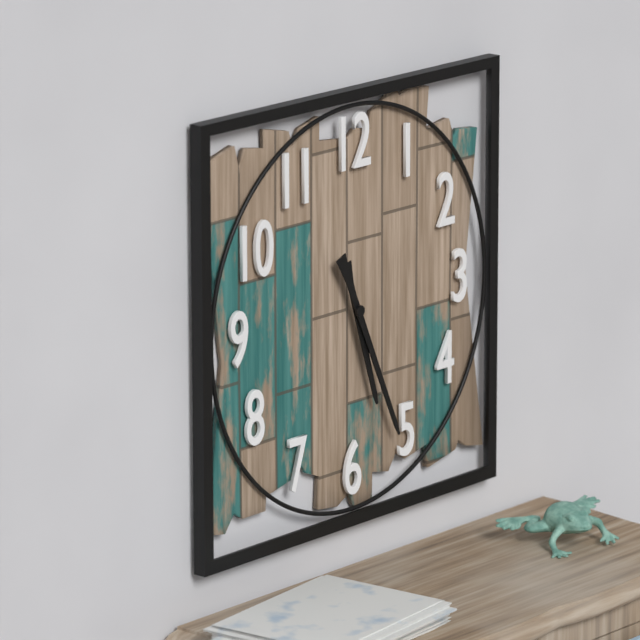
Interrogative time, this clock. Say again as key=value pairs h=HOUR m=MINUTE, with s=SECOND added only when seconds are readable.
h=5 m=26
